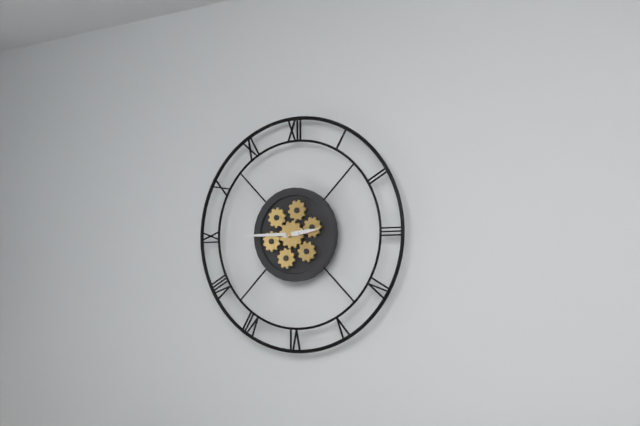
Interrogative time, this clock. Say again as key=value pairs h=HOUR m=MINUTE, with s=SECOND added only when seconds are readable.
h=2 m=45
